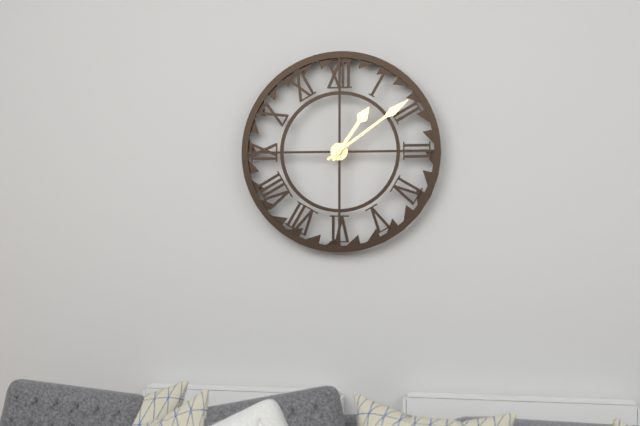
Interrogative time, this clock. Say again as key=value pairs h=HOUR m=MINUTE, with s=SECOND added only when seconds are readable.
h=1 m=9
